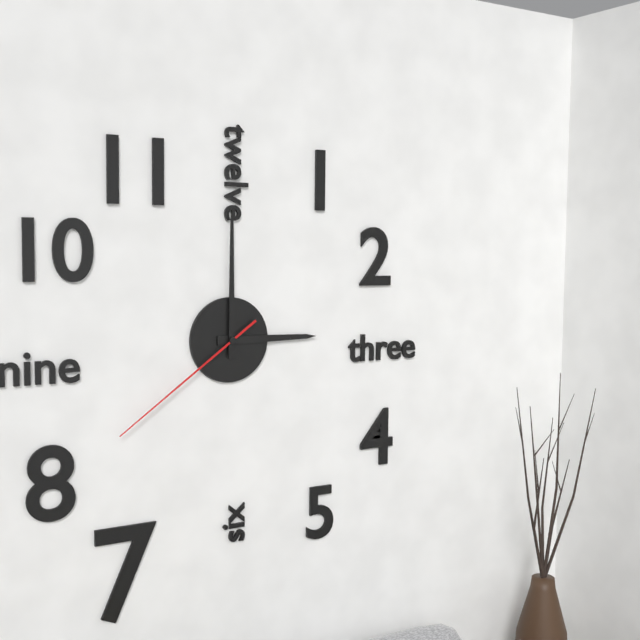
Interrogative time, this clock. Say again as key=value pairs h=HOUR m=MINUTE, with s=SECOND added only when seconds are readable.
h=3 m=0 s=39
